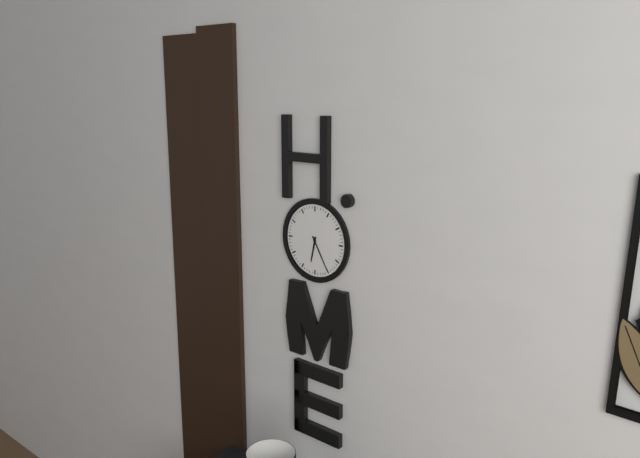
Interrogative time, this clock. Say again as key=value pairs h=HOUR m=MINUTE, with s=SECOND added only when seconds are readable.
h=6 m=25
